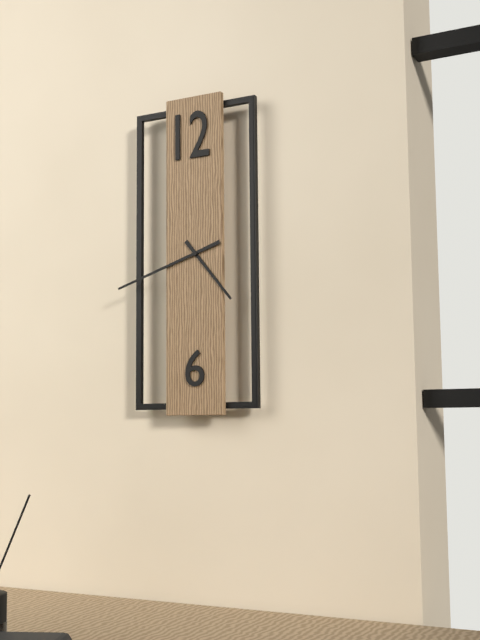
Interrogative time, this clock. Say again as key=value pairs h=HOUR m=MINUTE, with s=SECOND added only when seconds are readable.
h=4 m=42
